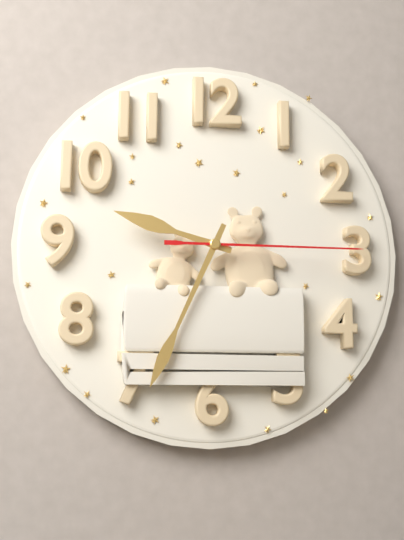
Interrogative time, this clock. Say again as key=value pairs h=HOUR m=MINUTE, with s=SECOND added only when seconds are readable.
h=9 m=34 s=15
